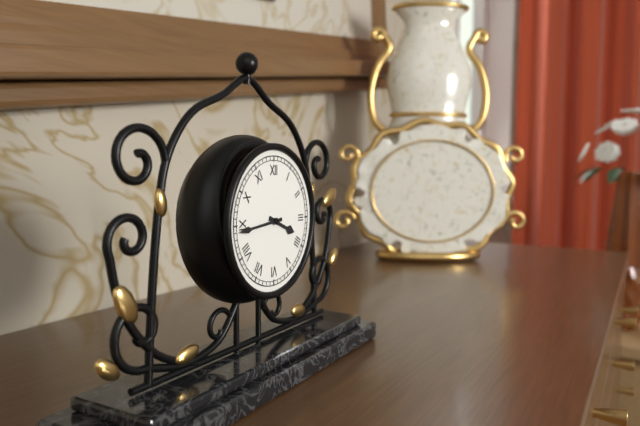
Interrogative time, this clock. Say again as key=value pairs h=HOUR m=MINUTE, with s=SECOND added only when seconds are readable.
h=3 m=44
